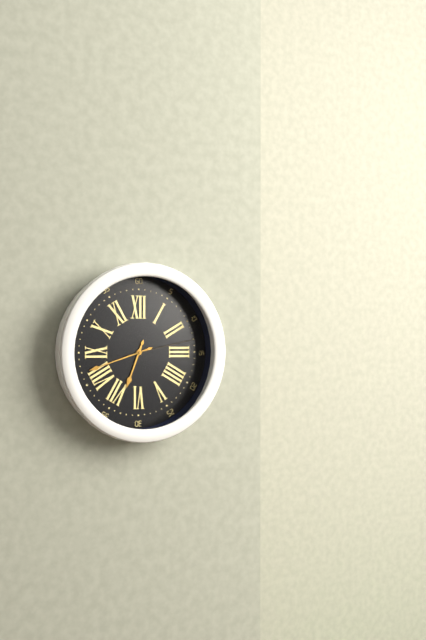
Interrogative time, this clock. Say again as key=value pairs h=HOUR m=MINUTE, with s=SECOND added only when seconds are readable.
h=6 m=42 s=13
